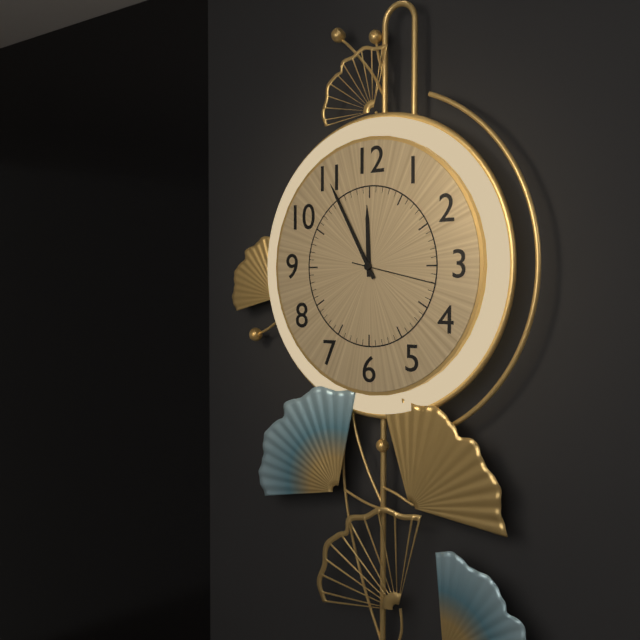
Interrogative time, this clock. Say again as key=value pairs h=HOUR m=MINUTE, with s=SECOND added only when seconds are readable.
h=11 m=55 s=17
